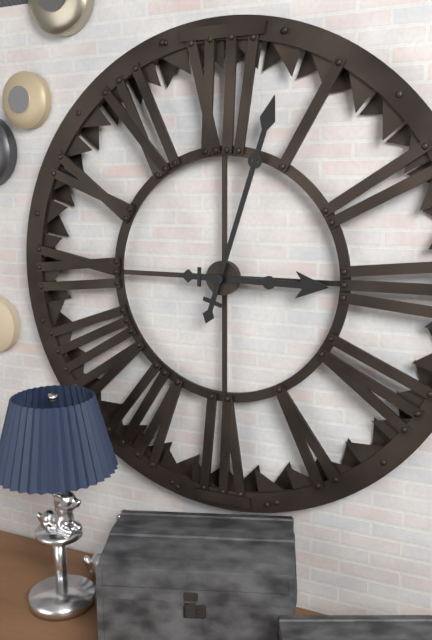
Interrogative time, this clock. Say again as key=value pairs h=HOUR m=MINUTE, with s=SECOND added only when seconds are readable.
h=3 m=3
